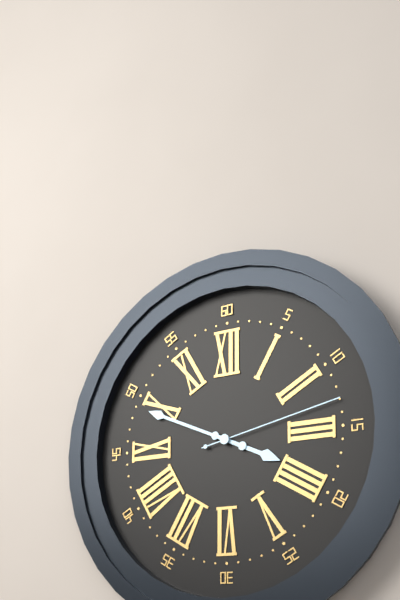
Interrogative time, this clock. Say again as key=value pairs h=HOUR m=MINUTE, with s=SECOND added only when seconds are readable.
h=3 m=49 s=13
